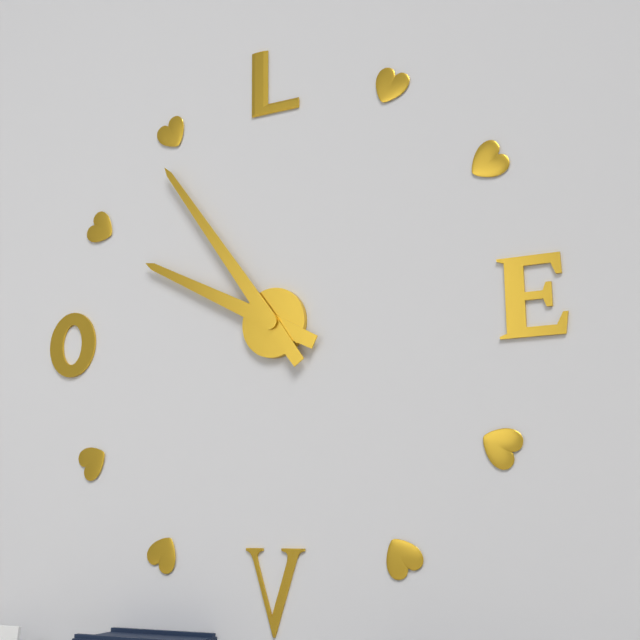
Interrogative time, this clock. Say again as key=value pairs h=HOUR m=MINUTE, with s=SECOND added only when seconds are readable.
h=9 m=54
